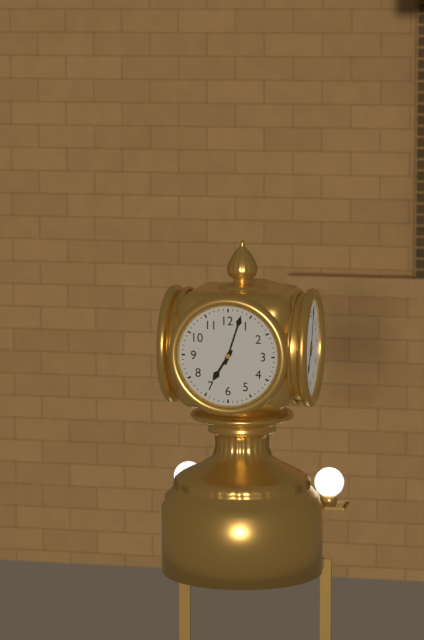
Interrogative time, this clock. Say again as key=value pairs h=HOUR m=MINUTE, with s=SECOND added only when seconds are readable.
h=7 m=3
